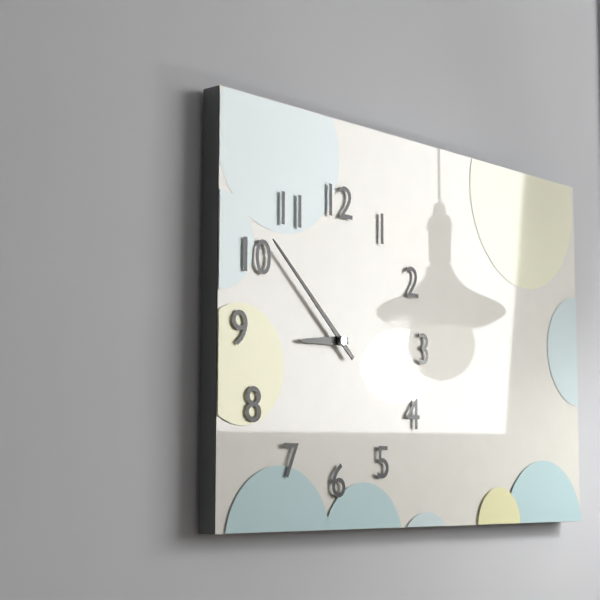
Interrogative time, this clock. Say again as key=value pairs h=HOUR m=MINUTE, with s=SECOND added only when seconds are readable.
h=8 m=52
